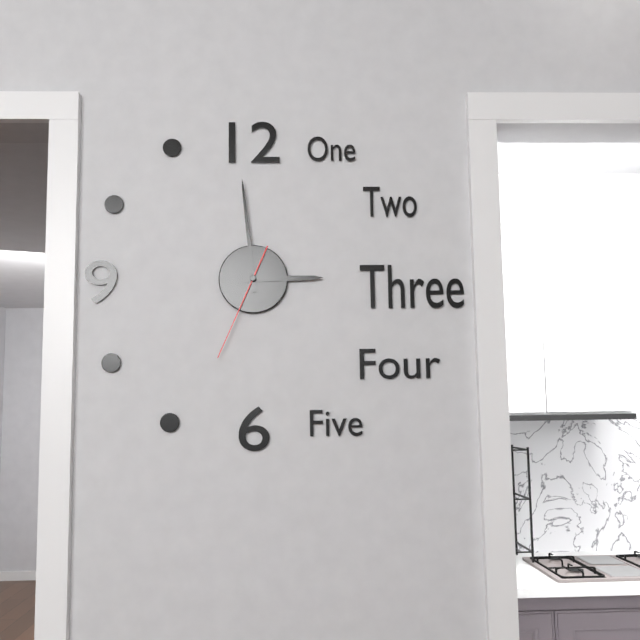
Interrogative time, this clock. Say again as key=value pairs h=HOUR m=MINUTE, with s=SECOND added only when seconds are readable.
h=2 m=59 s=34
